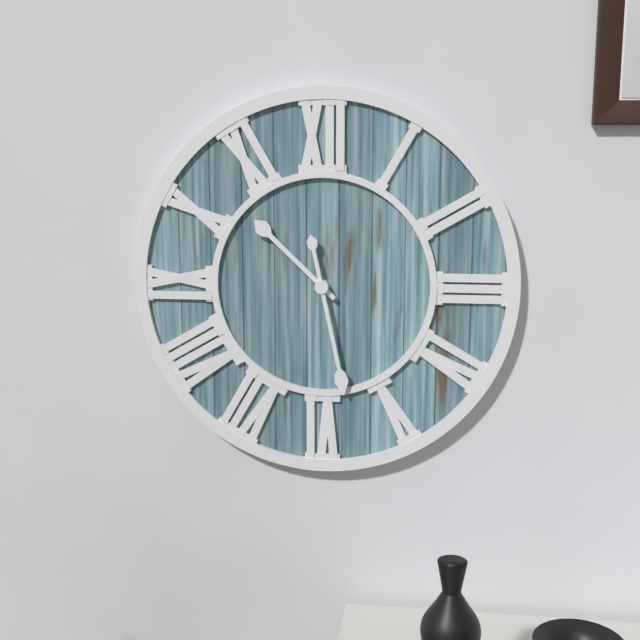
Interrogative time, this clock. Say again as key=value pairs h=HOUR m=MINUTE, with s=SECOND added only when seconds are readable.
h=10 m=28
